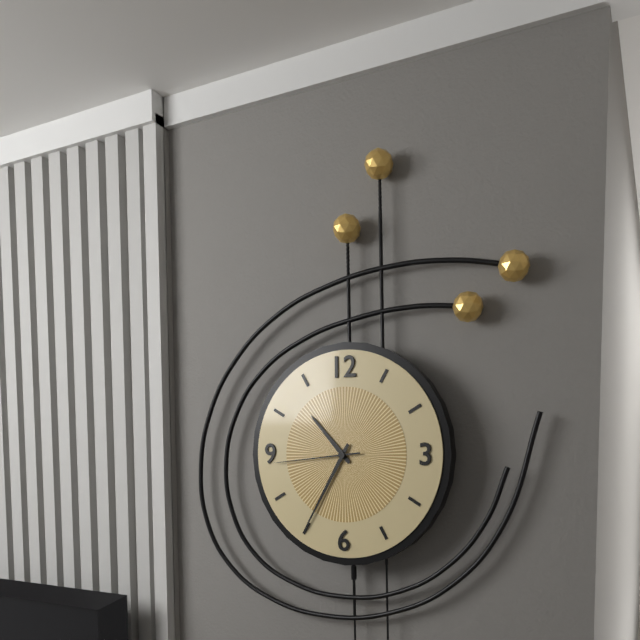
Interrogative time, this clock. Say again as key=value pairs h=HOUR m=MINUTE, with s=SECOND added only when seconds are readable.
h=10 m=35 s=44
